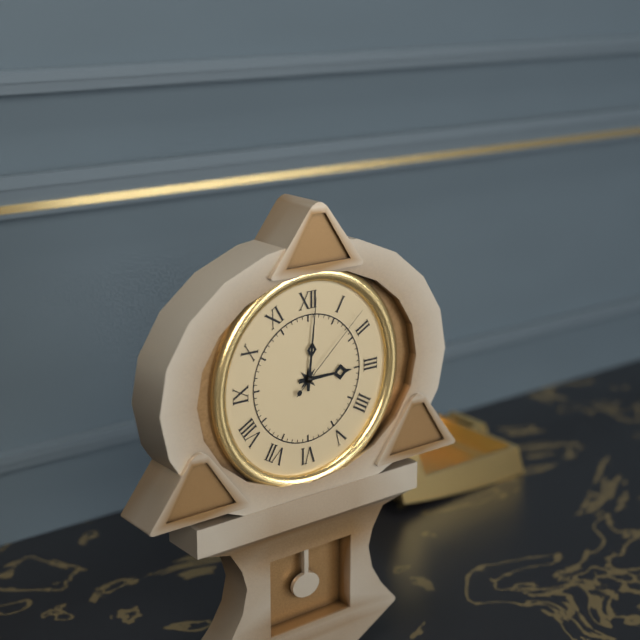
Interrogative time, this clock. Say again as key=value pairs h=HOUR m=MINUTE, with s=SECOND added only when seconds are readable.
h=3 m=1 s=8
